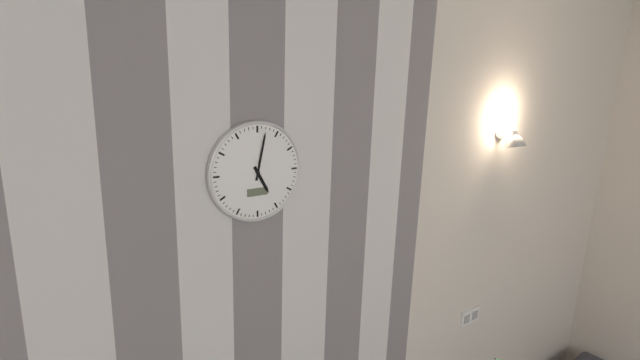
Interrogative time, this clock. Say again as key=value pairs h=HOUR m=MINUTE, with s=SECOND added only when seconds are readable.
h=5 m=2
